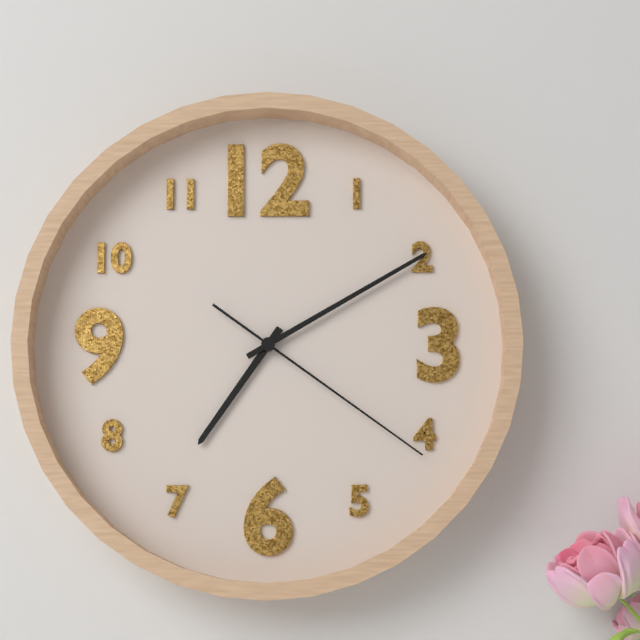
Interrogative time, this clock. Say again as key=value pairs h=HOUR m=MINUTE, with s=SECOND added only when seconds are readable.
h=7 m=10 s=21
